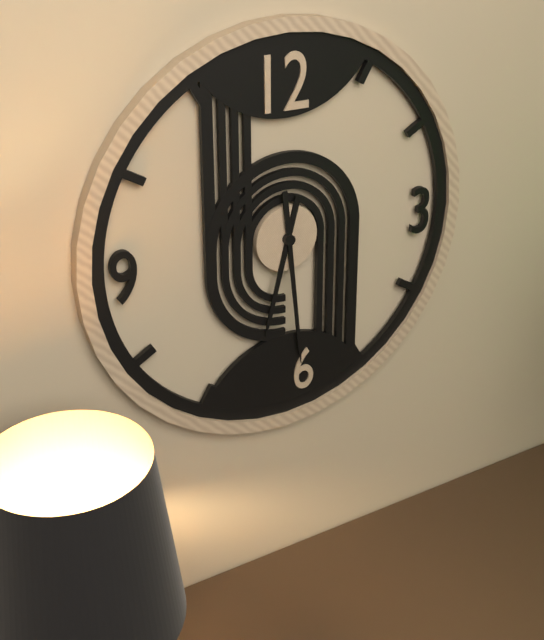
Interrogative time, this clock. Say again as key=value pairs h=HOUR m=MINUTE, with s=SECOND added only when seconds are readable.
h=6 m=29
